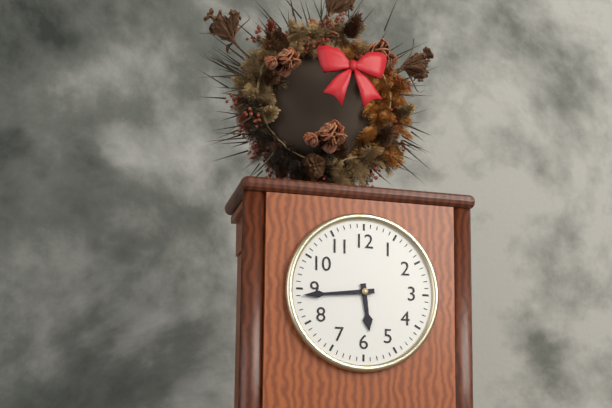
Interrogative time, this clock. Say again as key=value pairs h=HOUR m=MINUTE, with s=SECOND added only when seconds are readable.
h=5 m=44
